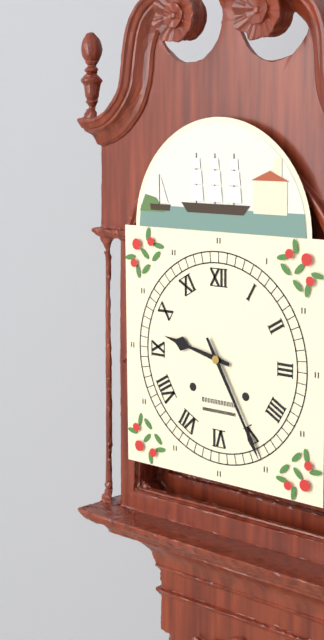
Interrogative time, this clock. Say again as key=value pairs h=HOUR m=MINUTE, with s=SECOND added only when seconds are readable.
h=9 m=25
